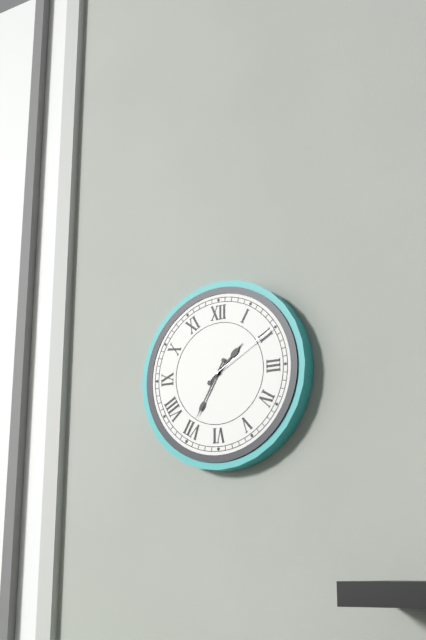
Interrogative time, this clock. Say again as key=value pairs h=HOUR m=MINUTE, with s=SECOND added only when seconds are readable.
h=1 m=35 s=10
